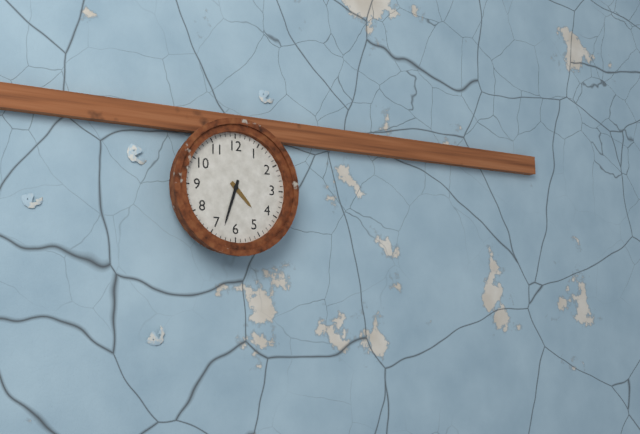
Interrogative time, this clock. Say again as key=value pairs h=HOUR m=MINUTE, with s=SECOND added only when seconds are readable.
h=4 m=33
